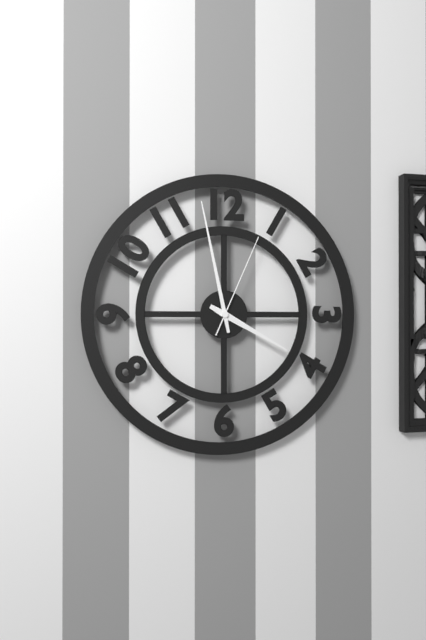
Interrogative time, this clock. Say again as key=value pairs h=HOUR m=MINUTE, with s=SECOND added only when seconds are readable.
h=3 m=58 s=4
